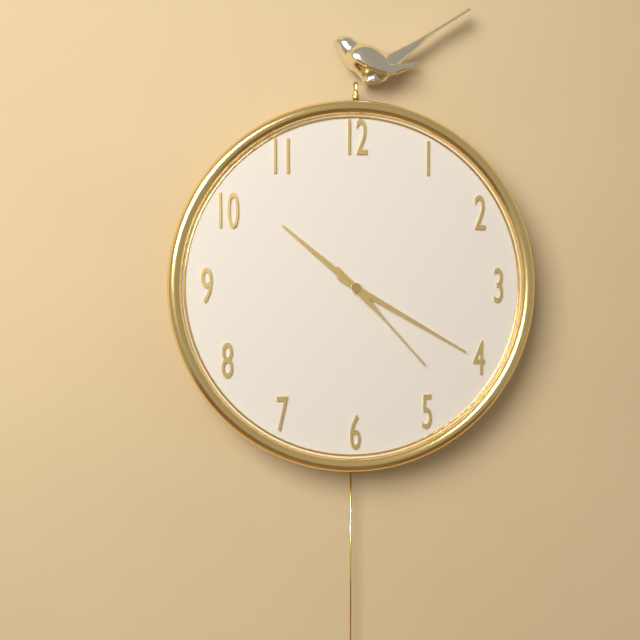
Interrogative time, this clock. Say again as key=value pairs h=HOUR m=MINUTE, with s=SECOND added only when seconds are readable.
h=10 m=20 s=23
